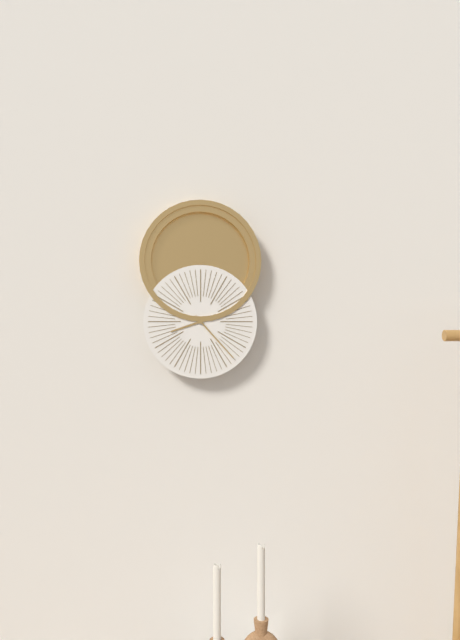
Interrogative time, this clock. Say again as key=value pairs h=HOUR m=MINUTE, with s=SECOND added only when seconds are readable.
h=8 m=23
